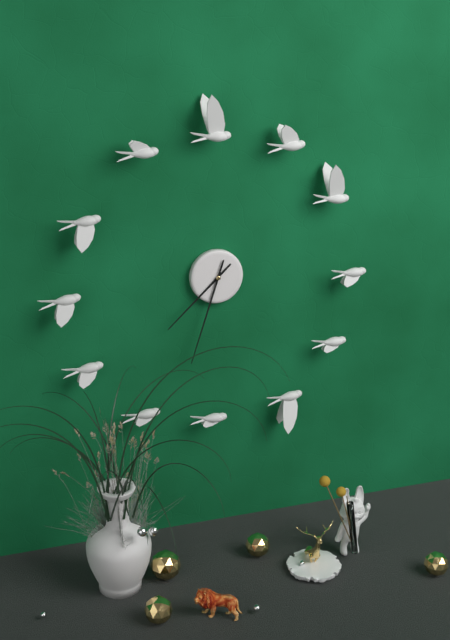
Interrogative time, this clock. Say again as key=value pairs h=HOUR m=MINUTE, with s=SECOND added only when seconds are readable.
h=7 m=33
